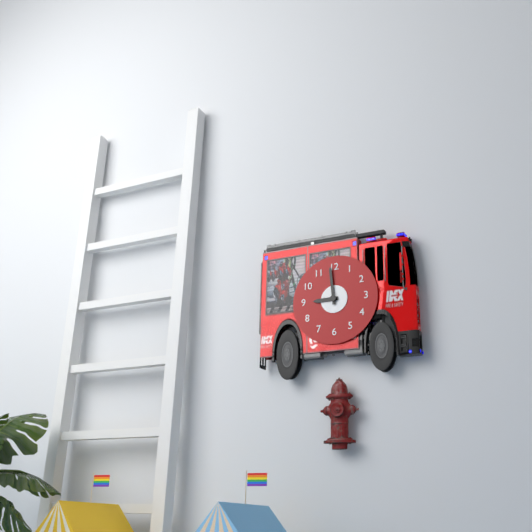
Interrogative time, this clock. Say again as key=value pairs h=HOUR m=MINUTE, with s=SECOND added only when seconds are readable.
h=8 m=59
